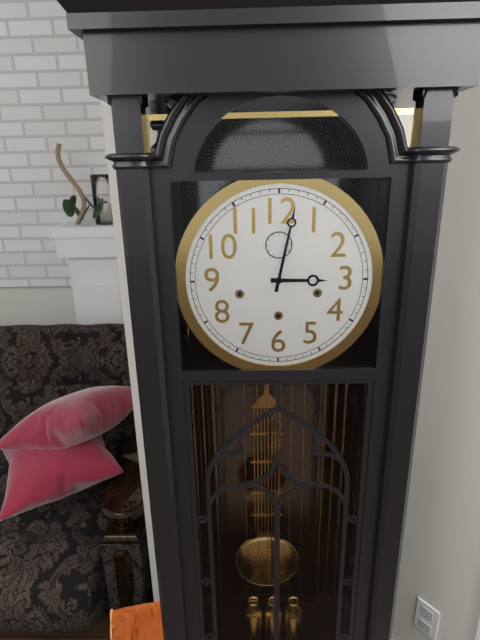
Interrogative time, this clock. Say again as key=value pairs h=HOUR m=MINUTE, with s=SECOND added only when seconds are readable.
h=3 m=2
